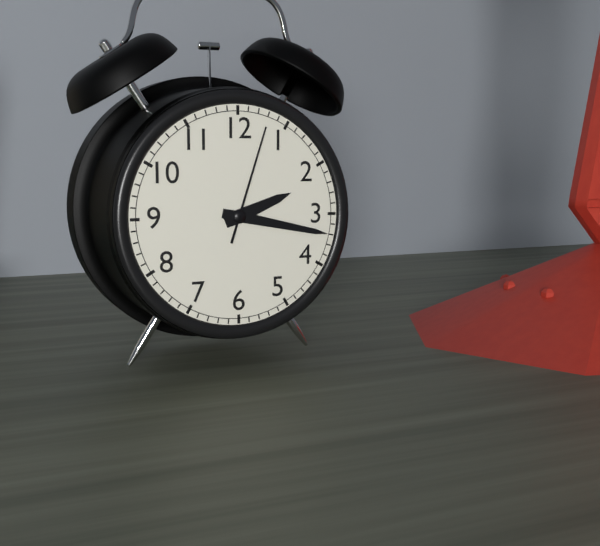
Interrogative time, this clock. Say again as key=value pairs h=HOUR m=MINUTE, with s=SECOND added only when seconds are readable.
h=2 m=17 s=3
